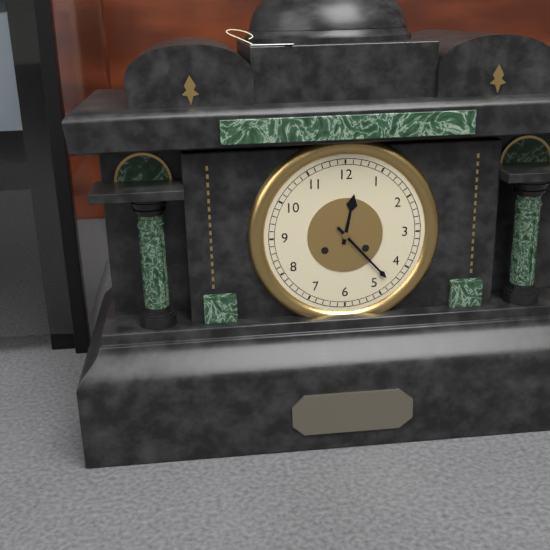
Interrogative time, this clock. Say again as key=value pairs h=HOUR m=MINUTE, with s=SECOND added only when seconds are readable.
h=12 m=23
